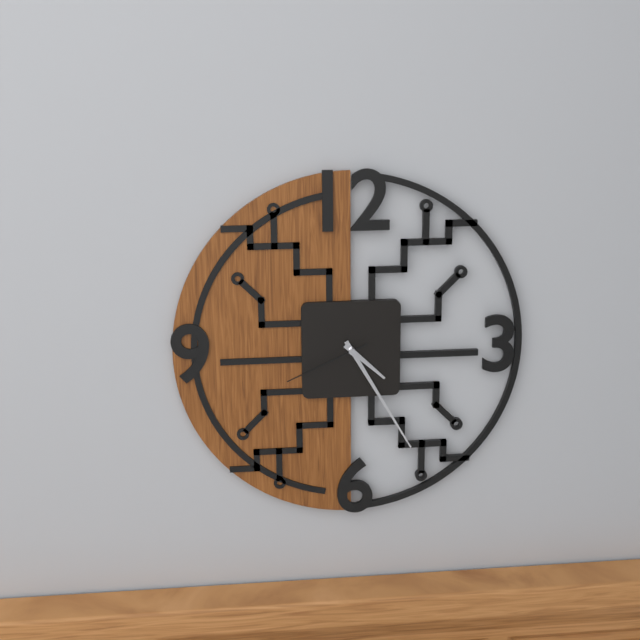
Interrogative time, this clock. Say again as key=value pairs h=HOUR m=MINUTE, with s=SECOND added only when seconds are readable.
h=4 m=25 s=41
